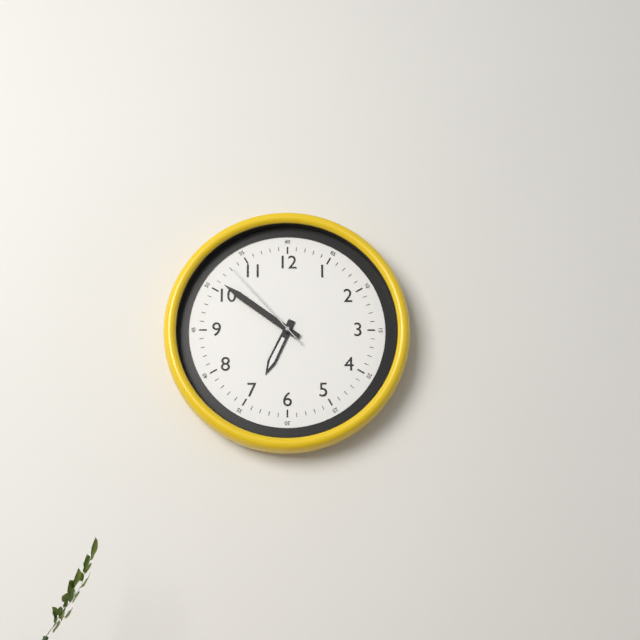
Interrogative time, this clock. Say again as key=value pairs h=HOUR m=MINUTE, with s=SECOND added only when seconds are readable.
h=6 m=51 s=53
